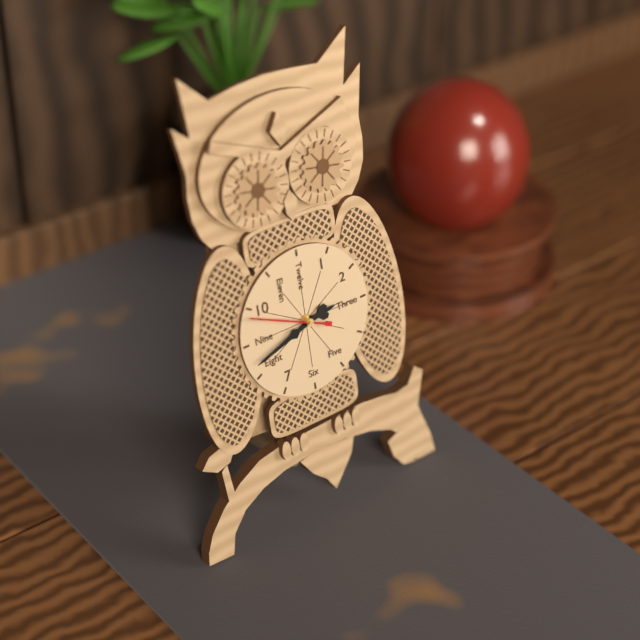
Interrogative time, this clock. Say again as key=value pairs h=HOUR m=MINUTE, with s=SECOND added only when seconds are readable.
h=2 m=42 s=49
